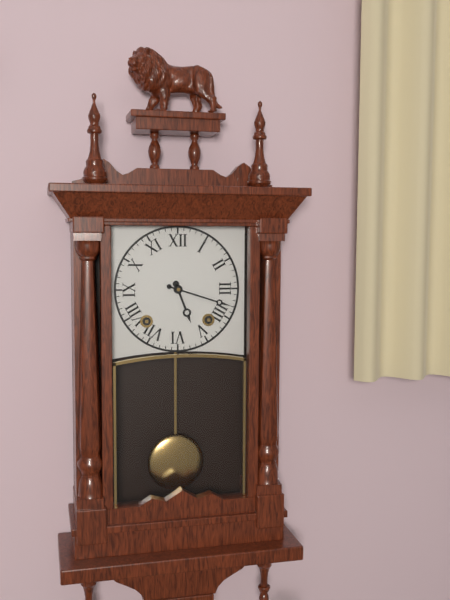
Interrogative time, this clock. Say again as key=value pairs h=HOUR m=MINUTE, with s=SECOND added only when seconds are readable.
h=5 m=18
